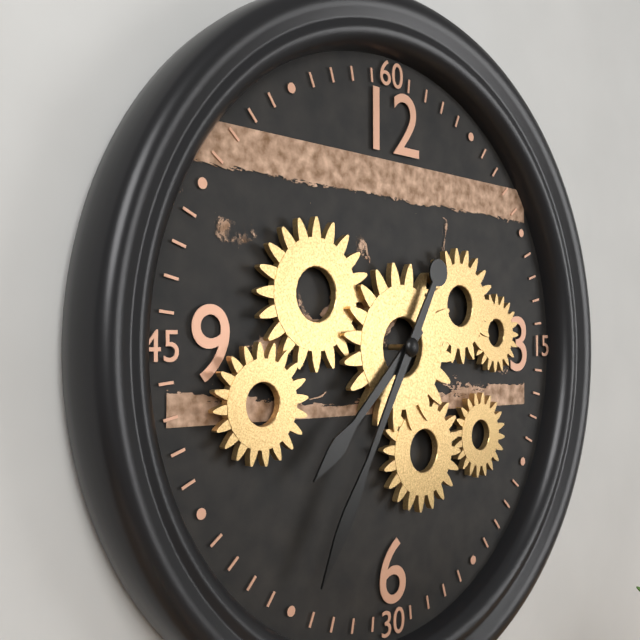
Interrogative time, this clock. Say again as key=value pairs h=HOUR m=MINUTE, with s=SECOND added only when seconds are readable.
h=7 m=35
